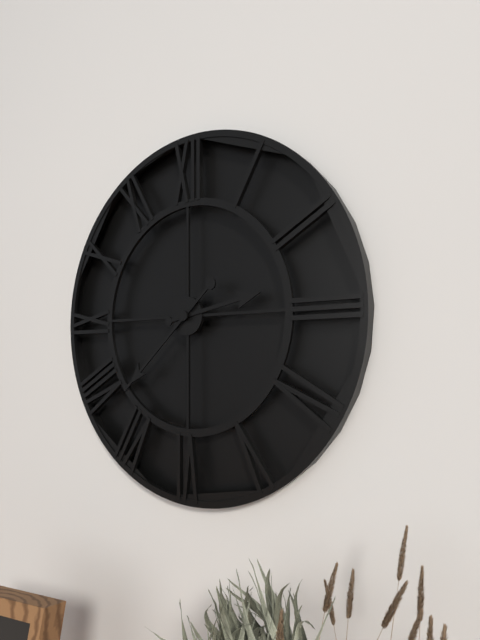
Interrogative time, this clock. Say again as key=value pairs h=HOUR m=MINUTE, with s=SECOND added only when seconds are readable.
h=2 m=38
